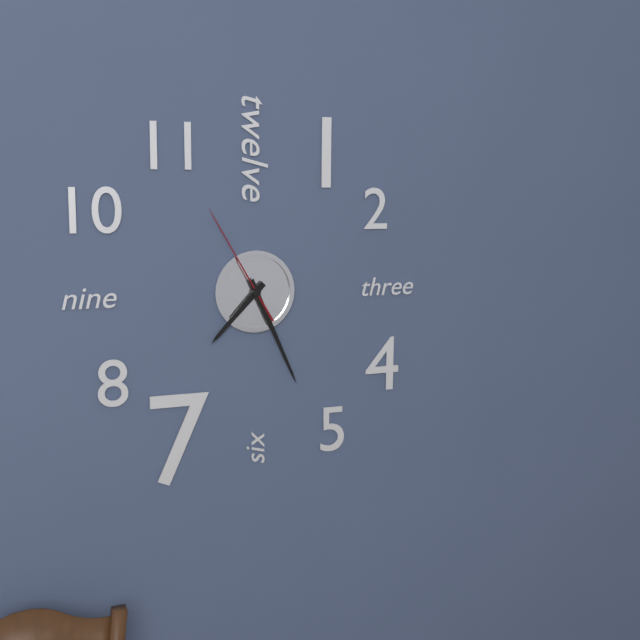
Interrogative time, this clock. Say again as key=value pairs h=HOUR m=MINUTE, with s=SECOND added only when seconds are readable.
h=7 m=26 s=55
